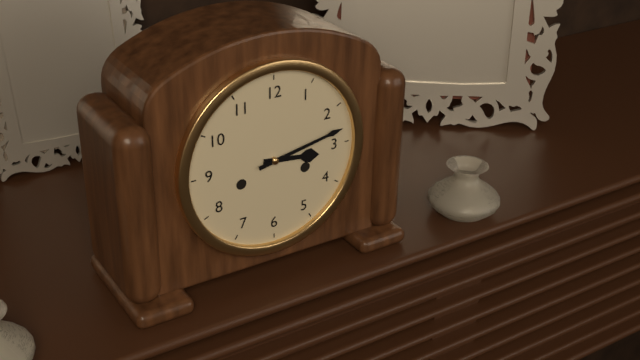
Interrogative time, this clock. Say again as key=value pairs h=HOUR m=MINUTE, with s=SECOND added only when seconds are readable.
h=3 m=13
